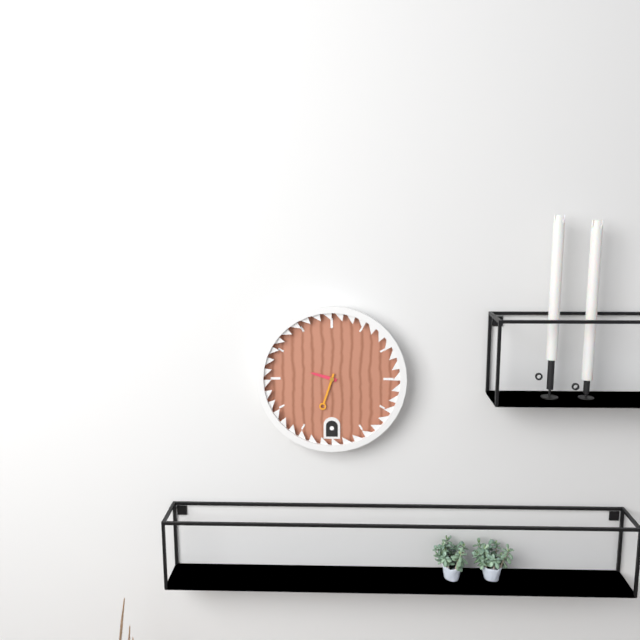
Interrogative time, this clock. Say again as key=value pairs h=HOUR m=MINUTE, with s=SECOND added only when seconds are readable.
h=9 m=33
